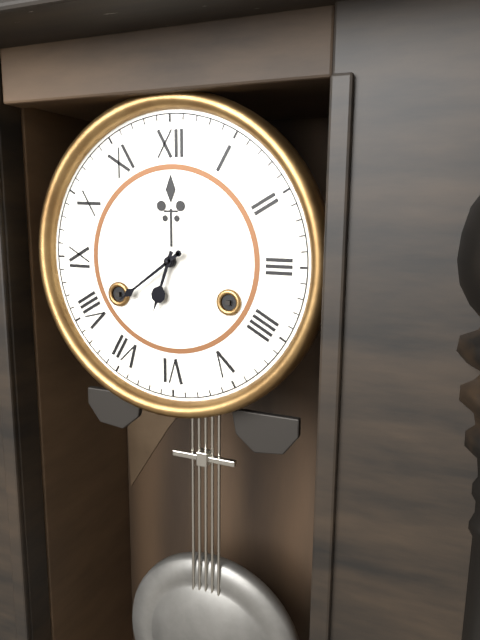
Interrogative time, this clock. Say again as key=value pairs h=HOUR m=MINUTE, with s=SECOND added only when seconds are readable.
h=6 m=39
